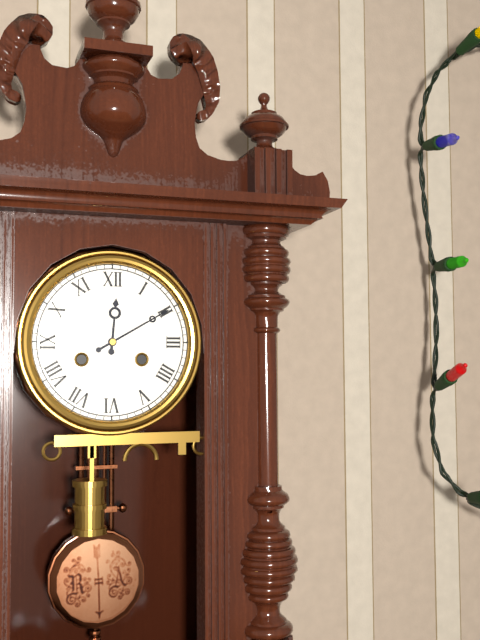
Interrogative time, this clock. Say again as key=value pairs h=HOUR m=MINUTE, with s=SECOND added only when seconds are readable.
h=12 m=10
